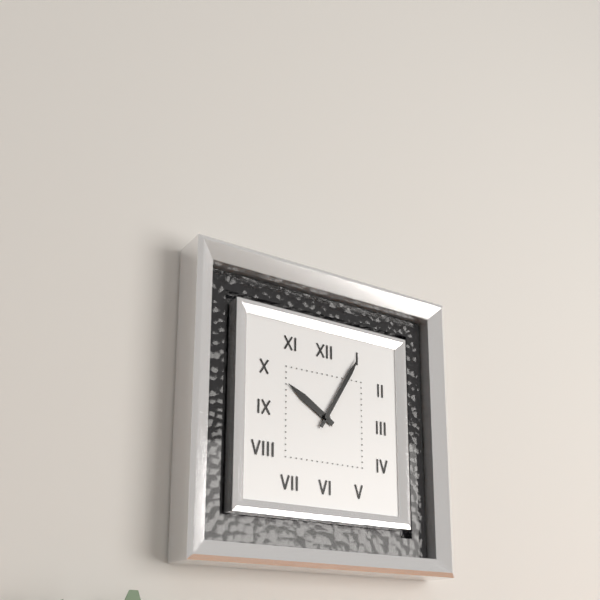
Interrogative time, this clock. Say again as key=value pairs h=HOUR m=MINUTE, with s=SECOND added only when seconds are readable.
h=10 m=5
